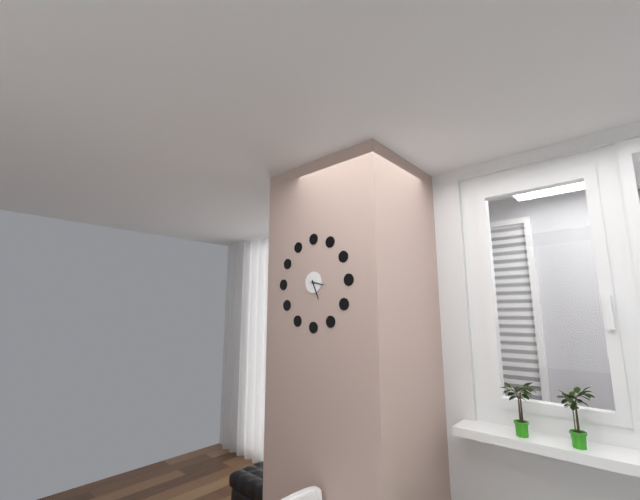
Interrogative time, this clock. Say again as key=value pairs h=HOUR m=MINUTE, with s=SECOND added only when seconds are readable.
h=3 m=26
